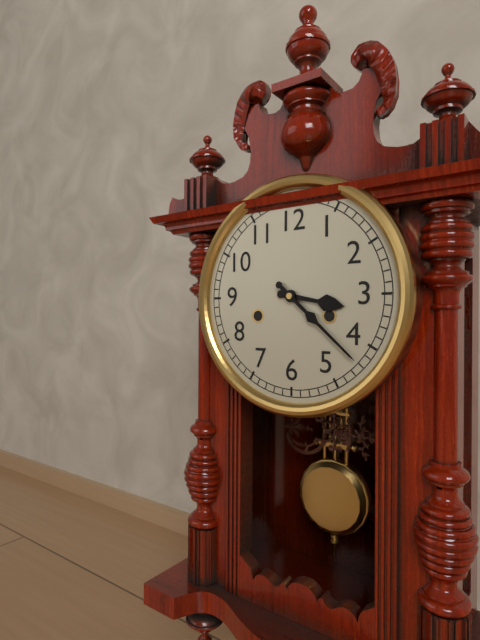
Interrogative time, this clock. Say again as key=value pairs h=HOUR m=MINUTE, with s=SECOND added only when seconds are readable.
h=3 m=22
